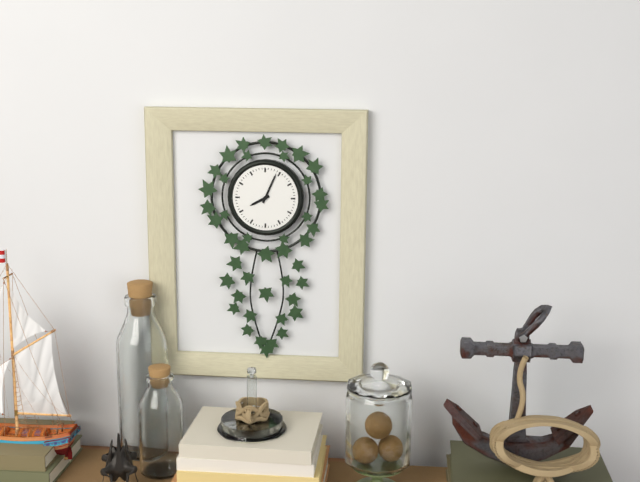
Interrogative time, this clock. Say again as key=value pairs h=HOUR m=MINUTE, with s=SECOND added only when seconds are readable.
h=8 m=4
